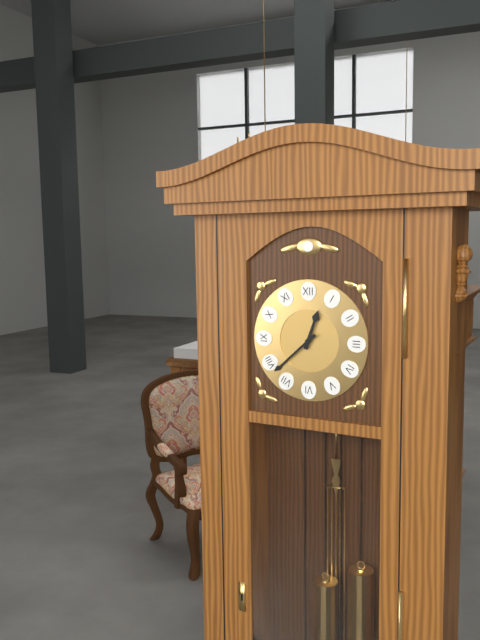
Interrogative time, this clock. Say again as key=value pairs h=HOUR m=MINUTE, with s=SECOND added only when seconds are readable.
h=12 m=38
